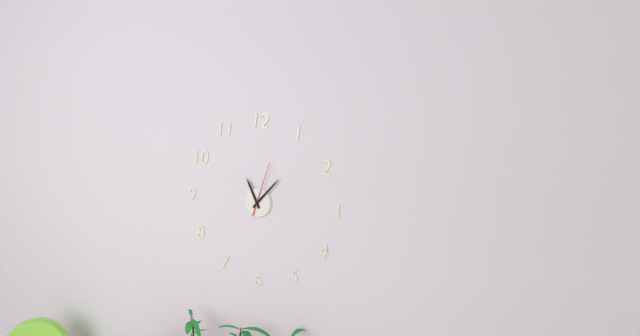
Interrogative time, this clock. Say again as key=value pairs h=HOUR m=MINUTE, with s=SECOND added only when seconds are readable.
h=11 m=7 s=3
